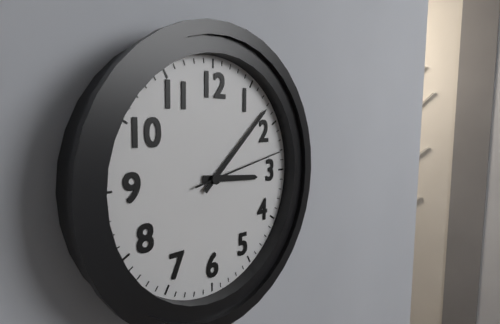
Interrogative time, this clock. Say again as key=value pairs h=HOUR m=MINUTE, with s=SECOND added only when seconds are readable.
h=3 m=8 s=13
